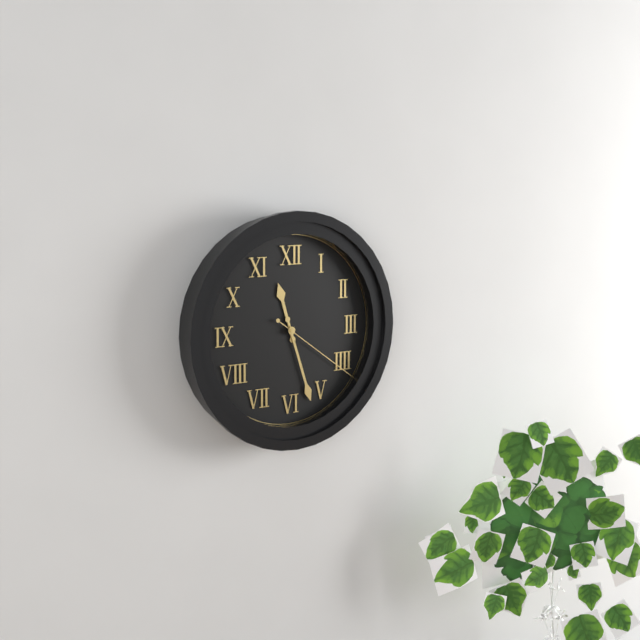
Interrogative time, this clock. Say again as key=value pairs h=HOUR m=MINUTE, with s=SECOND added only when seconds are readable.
h=11 m=27 s=21
